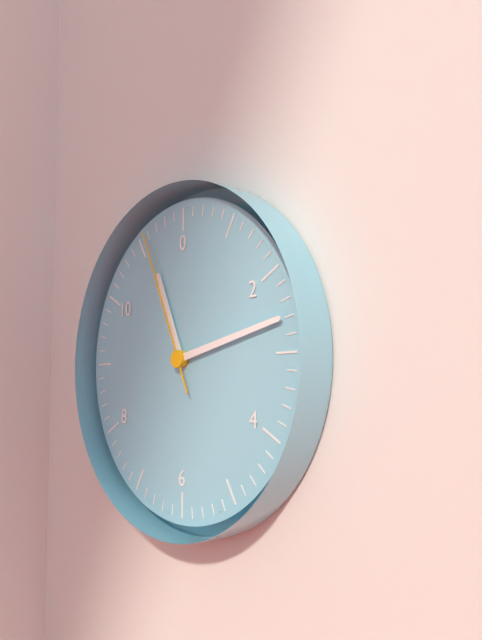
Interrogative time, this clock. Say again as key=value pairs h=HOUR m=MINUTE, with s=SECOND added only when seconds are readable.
h=11 m=13 s=56
